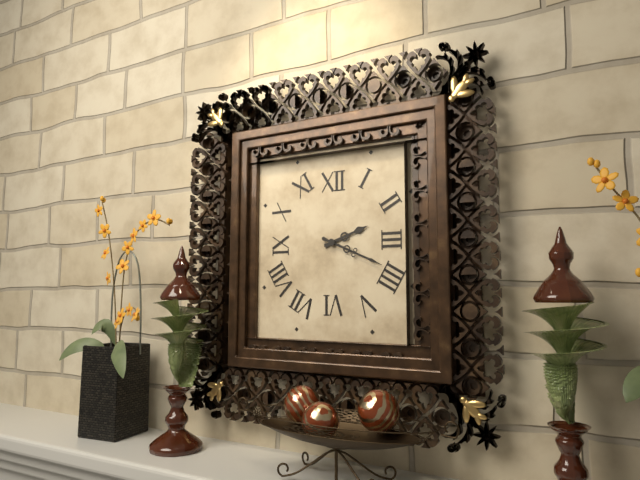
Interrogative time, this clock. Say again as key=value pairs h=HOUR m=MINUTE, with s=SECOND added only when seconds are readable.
h=2 m=19
